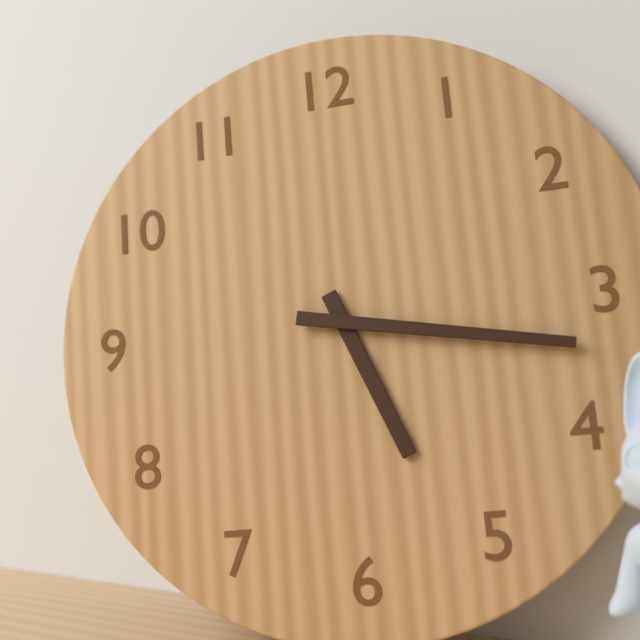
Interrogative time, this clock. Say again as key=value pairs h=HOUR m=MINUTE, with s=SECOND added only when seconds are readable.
h=5 m=17
